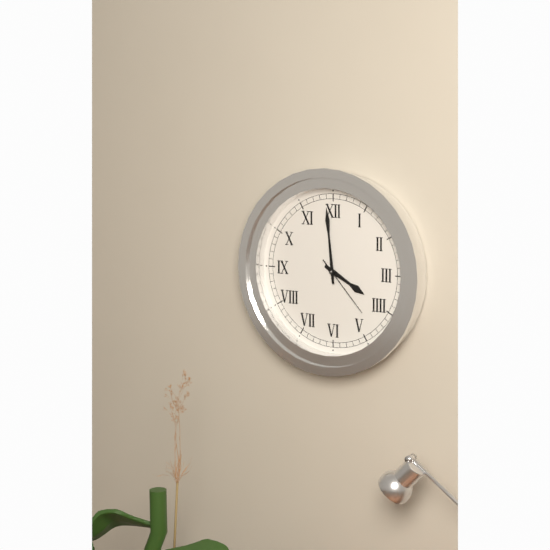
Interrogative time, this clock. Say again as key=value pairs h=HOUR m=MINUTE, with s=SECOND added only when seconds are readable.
h=3 m=59 s=23
